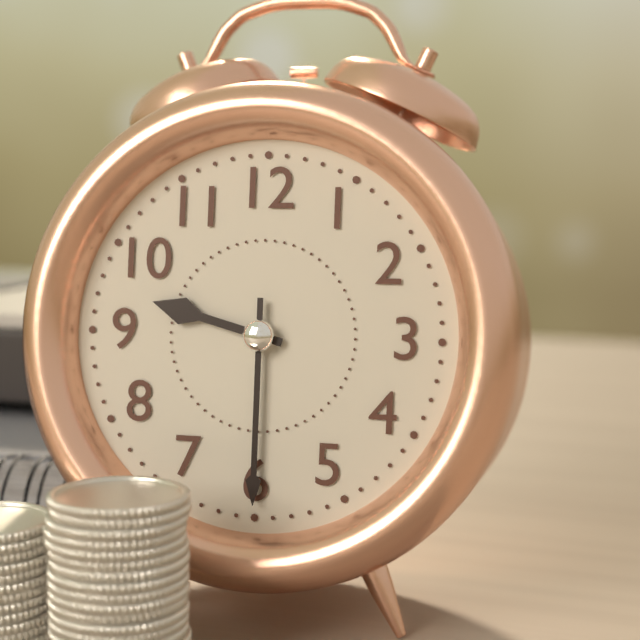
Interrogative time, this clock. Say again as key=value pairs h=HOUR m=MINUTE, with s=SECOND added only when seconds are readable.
h=9 m=30
